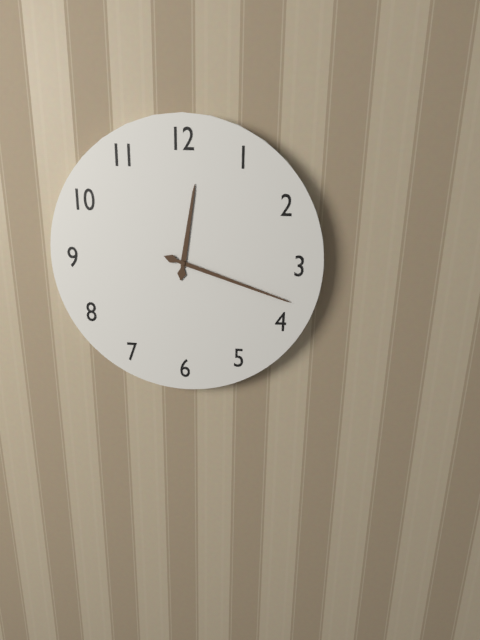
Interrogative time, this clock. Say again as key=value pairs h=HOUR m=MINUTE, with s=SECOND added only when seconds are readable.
h=12 m=18
